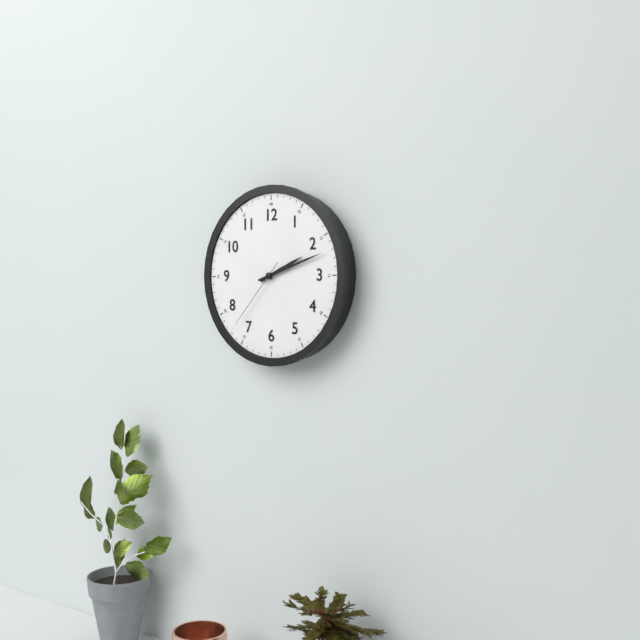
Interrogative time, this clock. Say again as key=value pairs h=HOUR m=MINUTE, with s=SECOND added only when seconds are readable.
h=2 m=12 s=37
